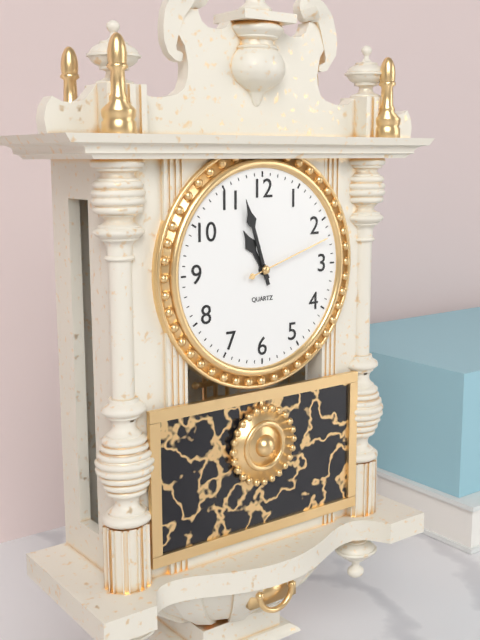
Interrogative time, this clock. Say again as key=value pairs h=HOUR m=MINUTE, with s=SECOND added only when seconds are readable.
h=10 m=57 s=12
